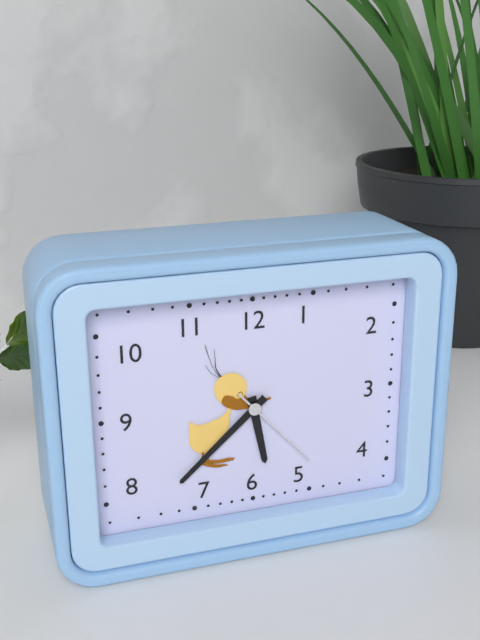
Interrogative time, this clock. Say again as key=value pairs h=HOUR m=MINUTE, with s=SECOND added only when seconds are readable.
h=5 m=38 s=23
